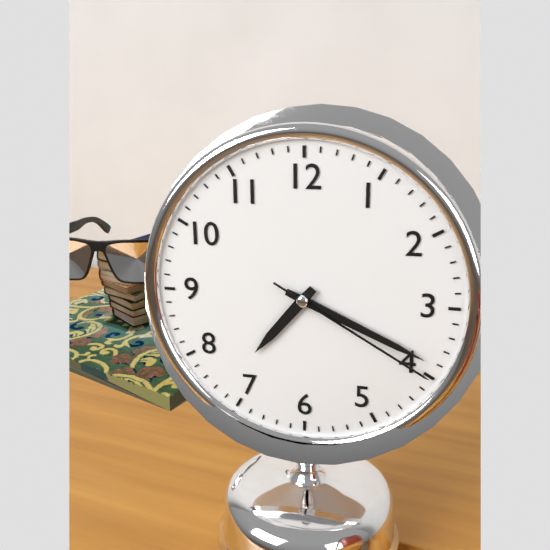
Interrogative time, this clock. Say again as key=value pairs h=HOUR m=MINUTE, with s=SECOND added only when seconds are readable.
h=7 m=19 s=20
